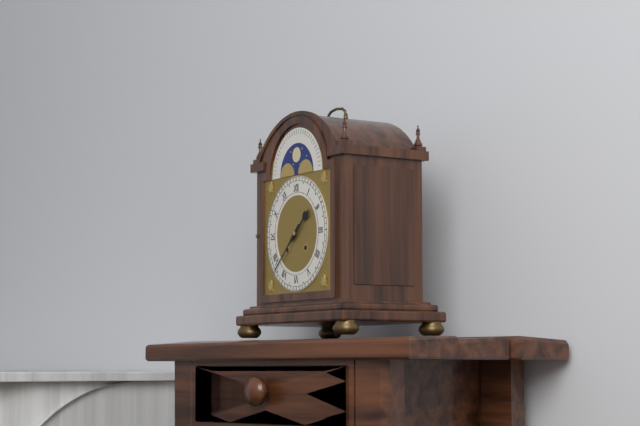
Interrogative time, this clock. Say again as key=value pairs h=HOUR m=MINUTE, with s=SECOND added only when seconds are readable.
h=1 m=38
